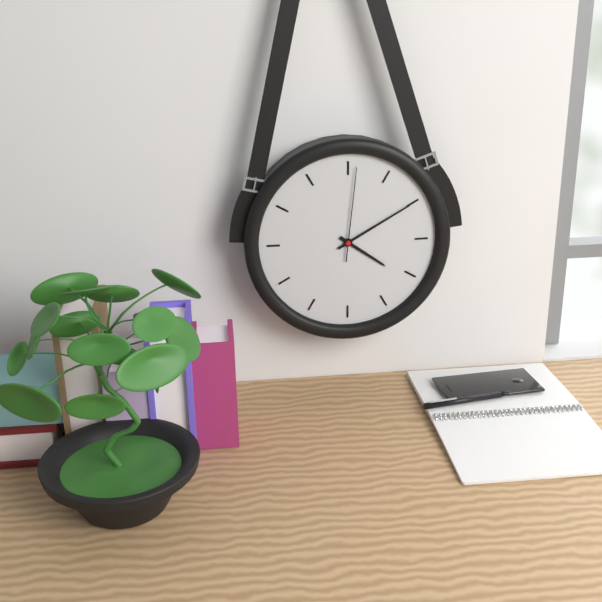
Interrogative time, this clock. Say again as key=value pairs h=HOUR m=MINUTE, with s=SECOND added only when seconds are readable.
h=4 m=10 s=1
